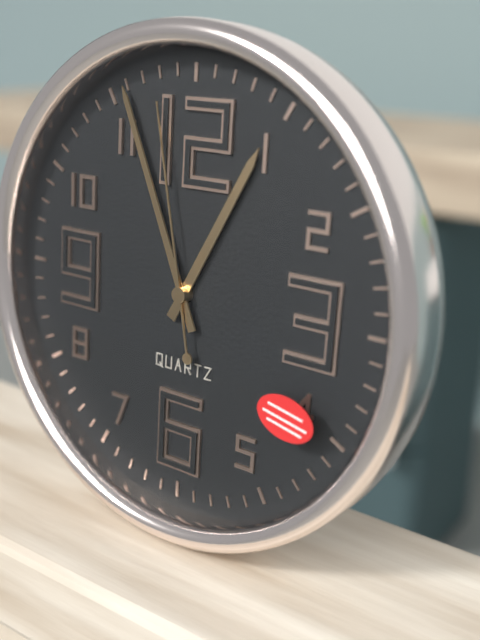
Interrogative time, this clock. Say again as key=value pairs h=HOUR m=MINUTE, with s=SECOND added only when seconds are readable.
h=12 m=56 s=58
